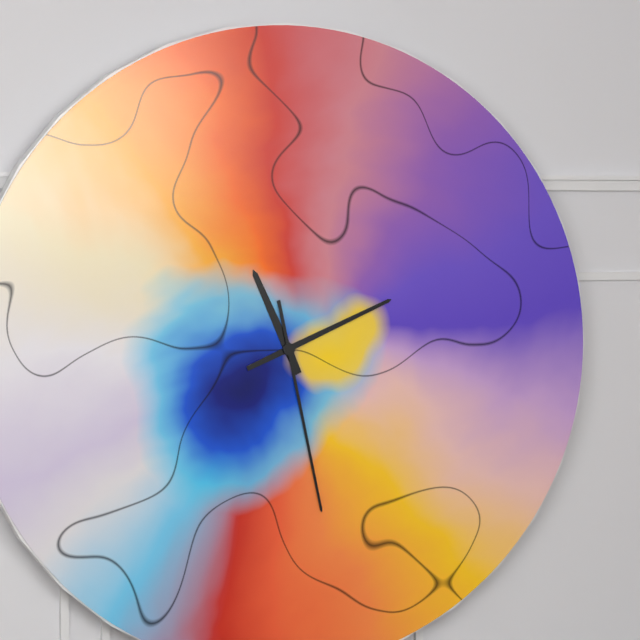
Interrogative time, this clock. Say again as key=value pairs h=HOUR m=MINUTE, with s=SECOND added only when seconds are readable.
h=11 m=11 s=28
